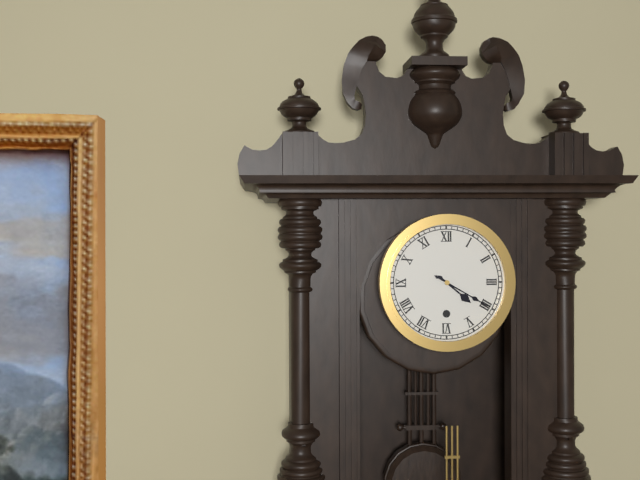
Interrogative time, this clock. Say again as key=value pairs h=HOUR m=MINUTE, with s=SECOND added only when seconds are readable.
h=4 m=20
